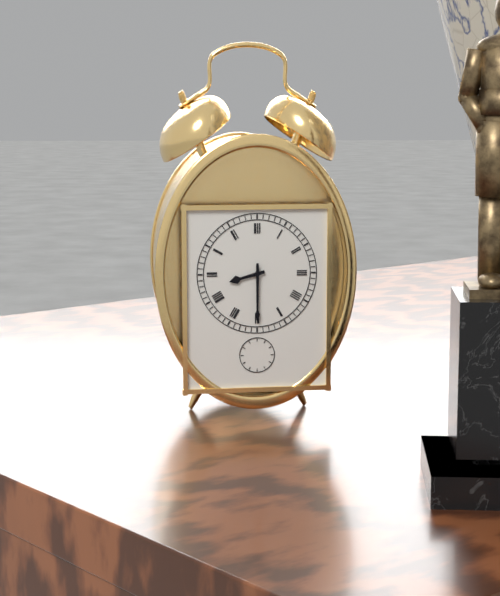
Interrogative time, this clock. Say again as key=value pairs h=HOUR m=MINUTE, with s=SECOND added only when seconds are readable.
h=8 m=30
